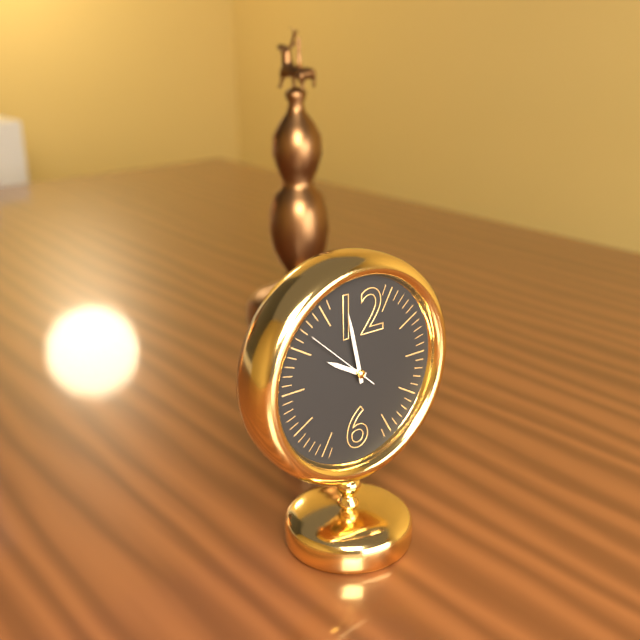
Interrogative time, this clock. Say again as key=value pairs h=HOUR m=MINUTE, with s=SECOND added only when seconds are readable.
h=9 m=58 s=52
